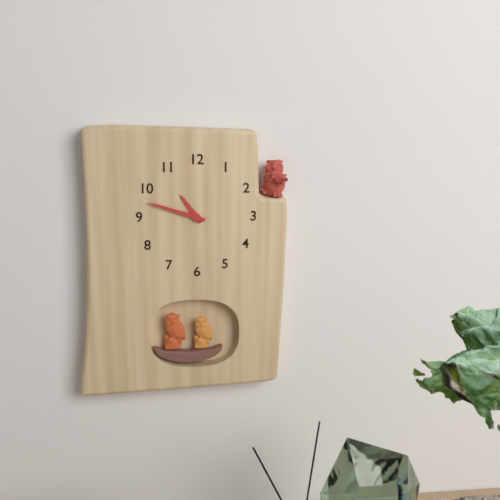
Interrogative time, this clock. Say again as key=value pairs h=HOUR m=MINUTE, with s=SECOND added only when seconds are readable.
h=10 m=48
